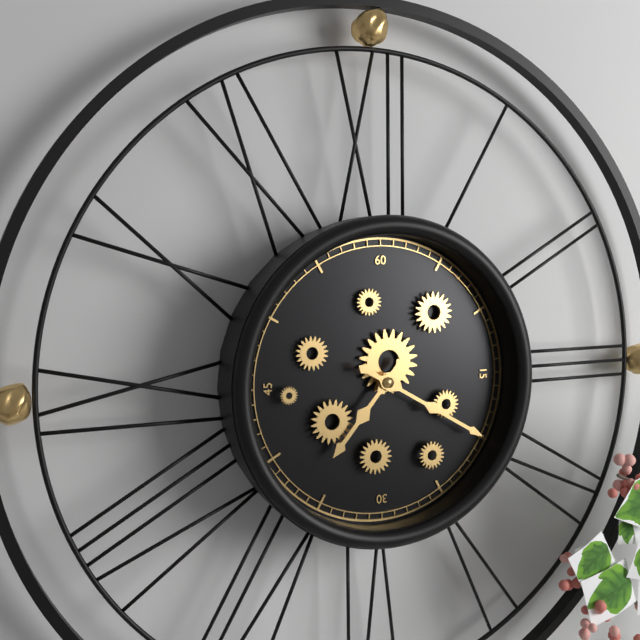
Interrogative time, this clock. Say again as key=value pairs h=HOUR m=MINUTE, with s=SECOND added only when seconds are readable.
h=7 m=20
